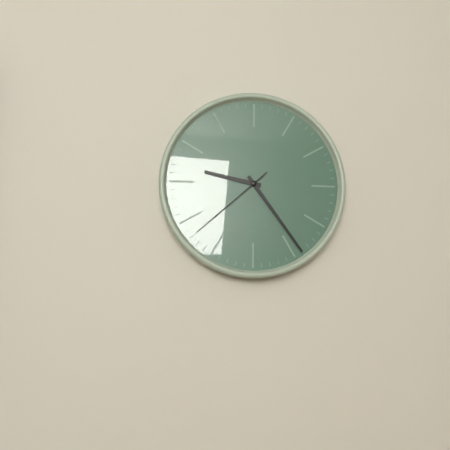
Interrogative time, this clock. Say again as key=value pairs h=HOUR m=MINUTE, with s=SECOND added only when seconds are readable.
h=9 m=24 s=38
